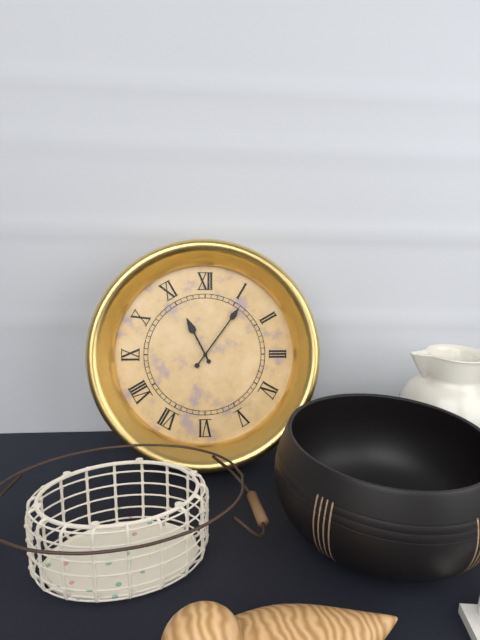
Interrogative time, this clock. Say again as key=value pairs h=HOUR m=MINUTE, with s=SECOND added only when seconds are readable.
h=11 m=6
